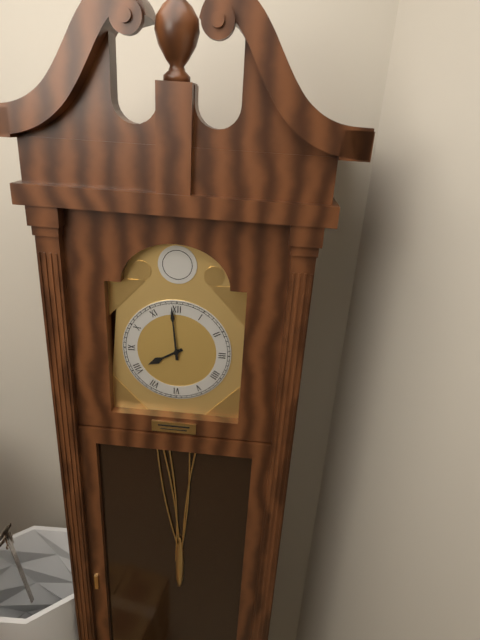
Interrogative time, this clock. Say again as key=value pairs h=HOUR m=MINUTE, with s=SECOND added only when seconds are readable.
h=7 m=59
